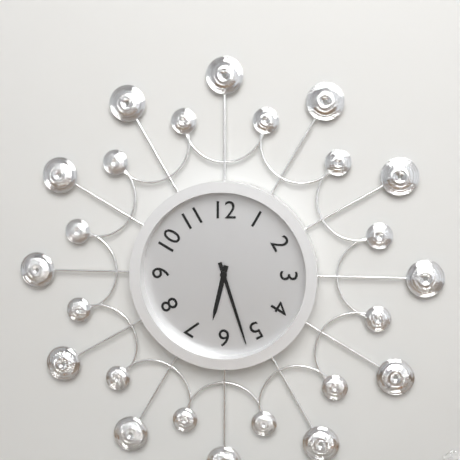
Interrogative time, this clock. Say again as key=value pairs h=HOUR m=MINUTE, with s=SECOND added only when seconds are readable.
h=6 m=27
